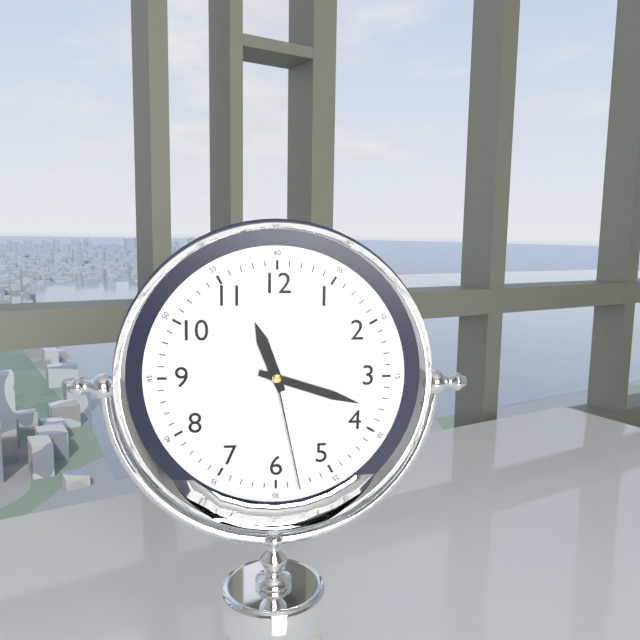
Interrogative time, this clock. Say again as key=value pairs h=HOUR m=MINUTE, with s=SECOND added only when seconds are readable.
h=11 m=18 s=28
